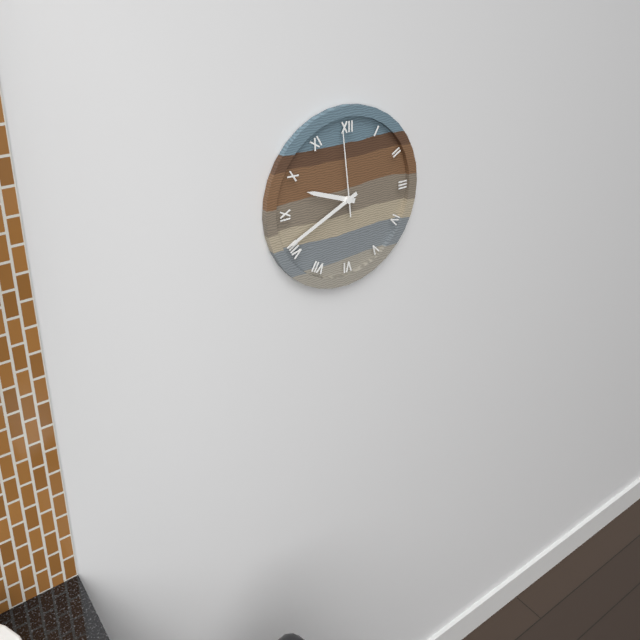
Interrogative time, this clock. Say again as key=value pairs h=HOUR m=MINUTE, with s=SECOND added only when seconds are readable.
h=9 m=41 s=59
